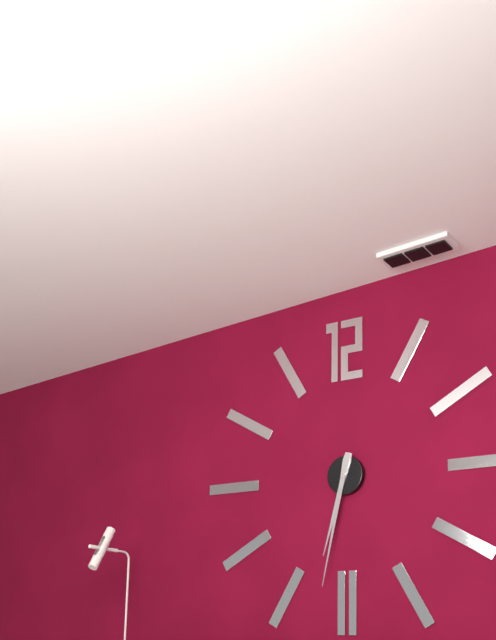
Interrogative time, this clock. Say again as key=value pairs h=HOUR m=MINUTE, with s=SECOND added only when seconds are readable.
h=6 m=32
